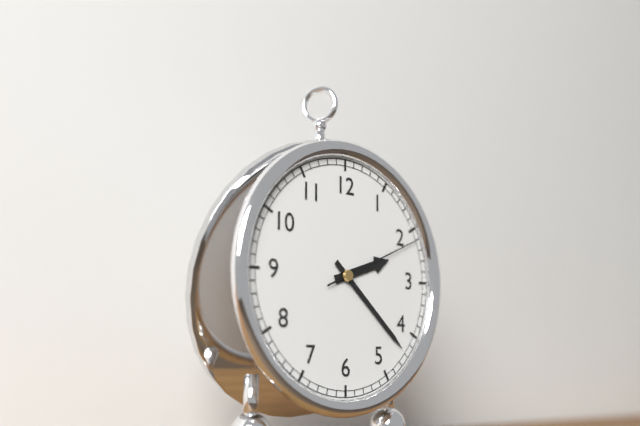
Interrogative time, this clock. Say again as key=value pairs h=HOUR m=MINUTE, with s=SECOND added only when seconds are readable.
h=2 m=22 s=11
